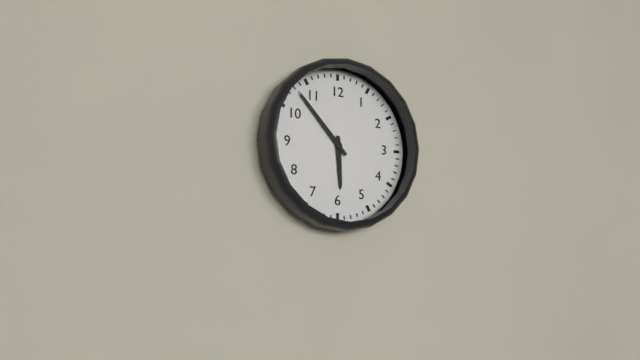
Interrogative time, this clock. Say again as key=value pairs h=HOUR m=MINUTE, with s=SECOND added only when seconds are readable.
h=5 m=53
